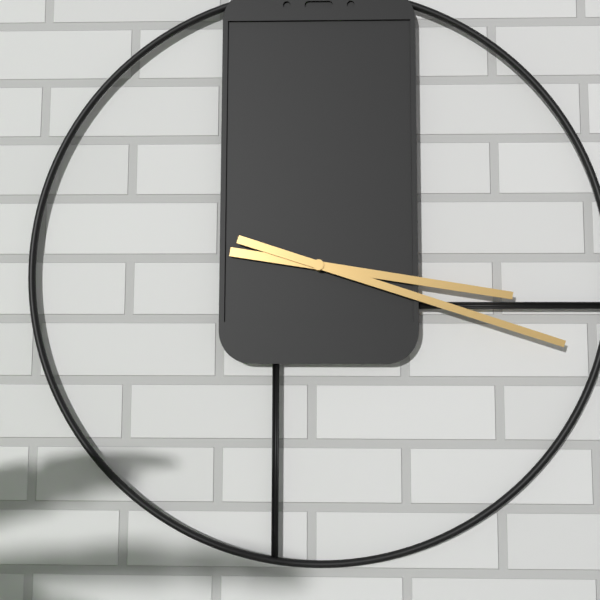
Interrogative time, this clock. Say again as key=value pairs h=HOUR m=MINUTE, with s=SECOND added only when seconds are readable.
h=3 m=18
